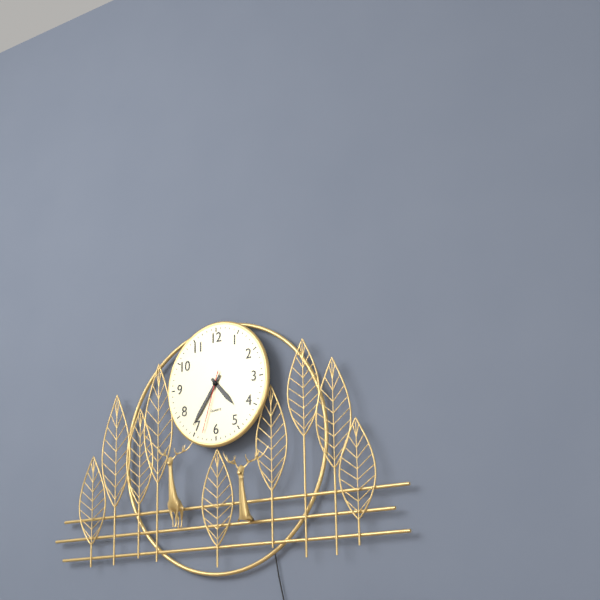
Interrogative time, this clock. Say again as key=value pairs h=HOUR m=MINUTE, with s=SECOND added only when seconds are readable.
h=4 m=36 s=33
